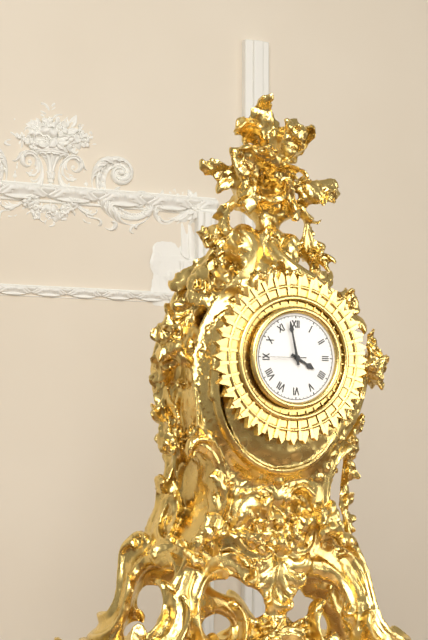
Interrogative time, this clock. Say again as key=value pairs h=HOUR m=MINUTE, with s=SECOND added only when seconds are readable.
h=3 m=58
